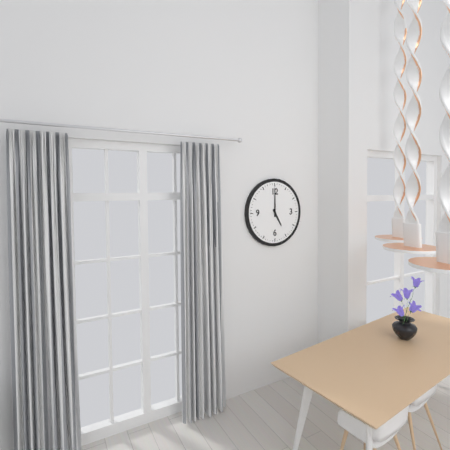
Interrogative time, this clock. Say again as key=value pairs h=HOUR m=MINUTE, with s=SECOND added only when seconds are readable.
h=5 m=0
